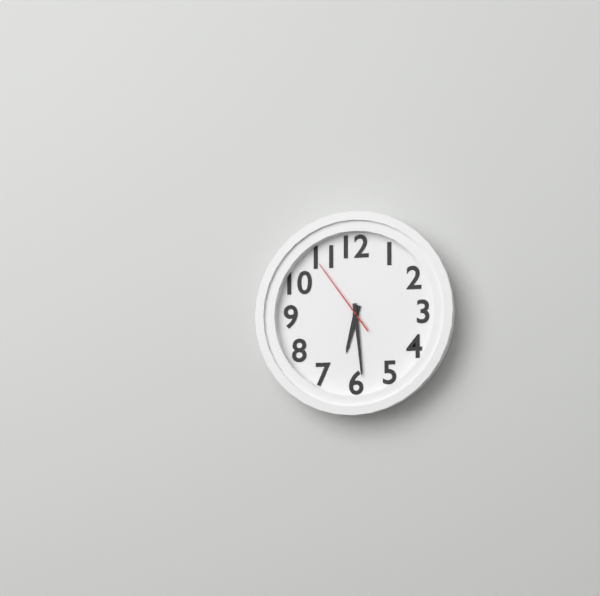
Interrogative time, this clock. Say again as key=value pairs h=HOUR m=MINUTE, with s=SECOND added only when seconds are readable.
h=6 m=29 s=54
